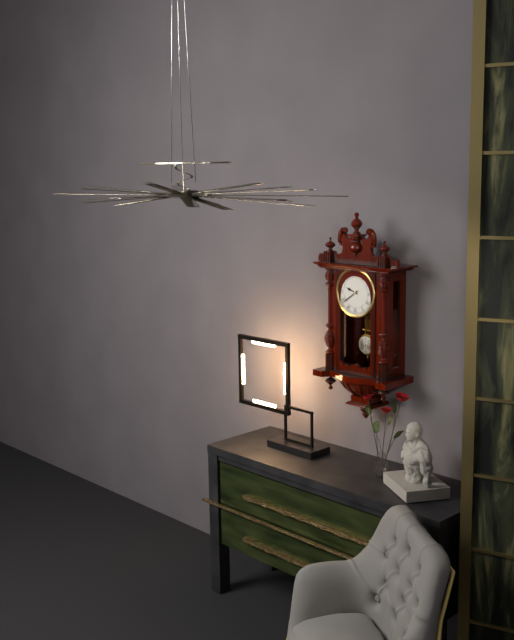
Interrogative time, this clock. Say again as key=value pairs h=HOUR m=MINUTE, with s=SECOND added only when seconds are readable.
h=9 m=39
